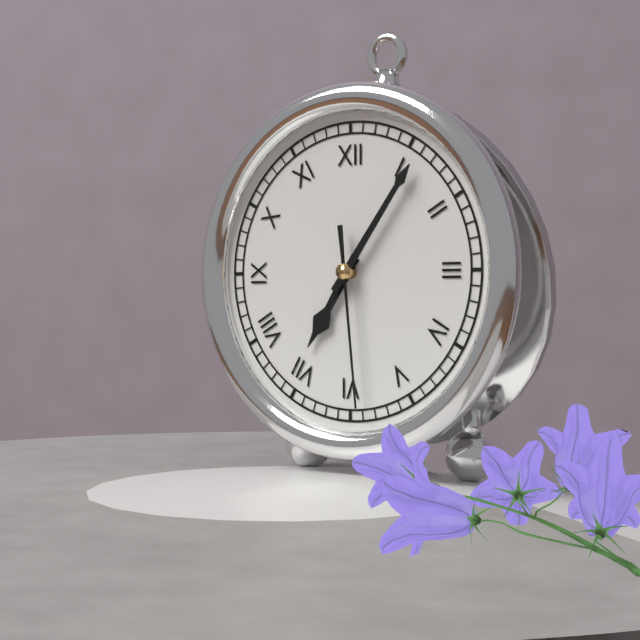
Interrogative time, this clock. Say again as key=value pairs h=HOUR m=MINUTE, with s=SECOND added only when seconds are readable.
h=7 m=6 s=29
